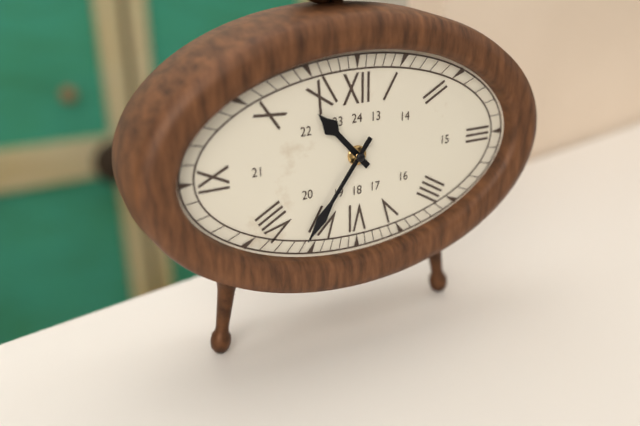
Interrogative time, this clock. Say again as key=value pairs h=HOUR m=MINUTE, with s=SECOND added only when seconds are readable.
h=10 m=36
